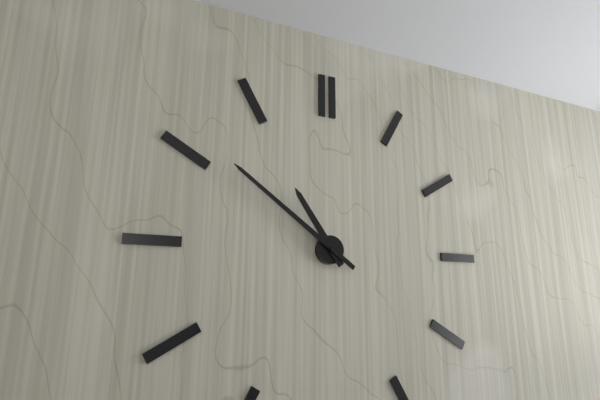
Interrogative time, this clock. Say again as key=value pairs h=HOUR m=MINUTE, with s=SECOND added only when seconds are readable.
h=10 m=51
